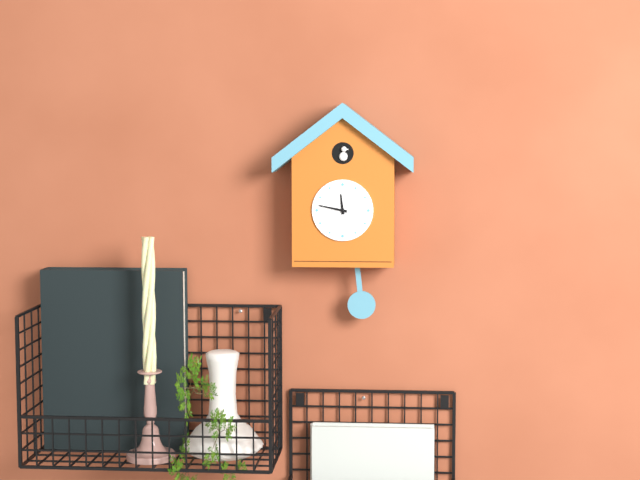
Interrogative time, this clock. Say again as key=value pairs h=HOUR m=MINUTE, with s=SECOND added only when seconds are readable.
h=11 m=47
